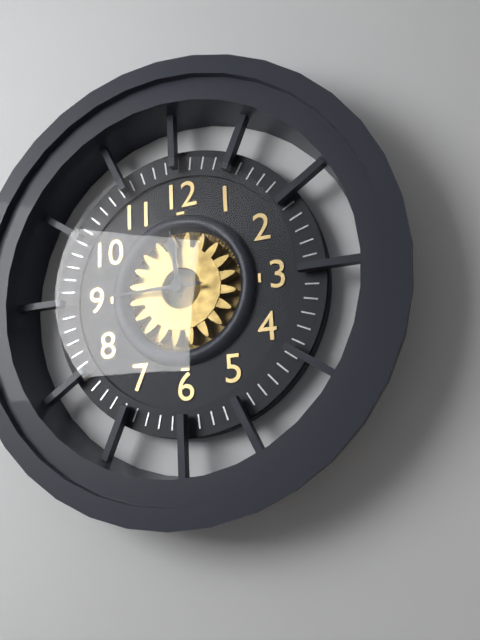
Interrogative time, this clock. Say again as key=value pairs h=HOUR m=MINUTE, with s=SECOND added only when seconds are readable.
h=11 m=45
